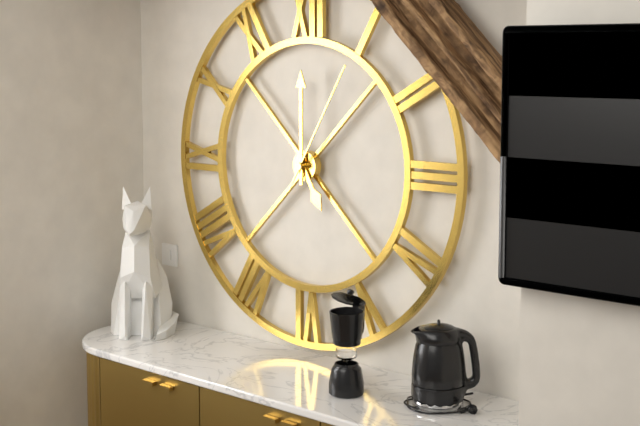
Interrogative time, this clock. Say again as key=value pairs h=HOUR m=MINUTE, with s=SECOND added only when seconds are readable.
h=5 m=0 s=5
